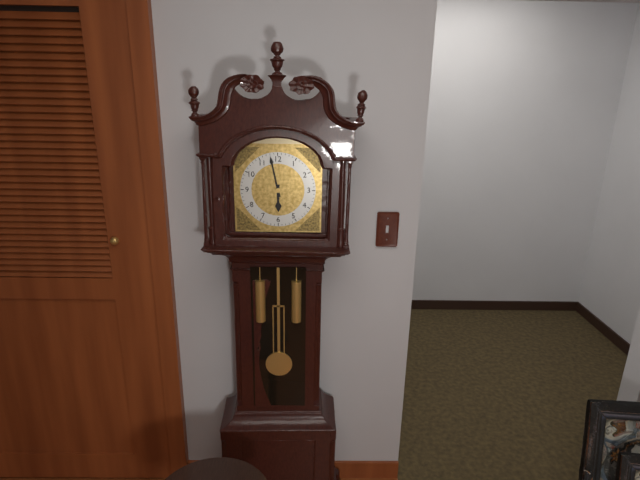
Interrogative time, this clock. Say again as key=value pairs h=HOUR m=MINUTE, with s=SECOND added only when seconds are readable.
h=5 m=58
